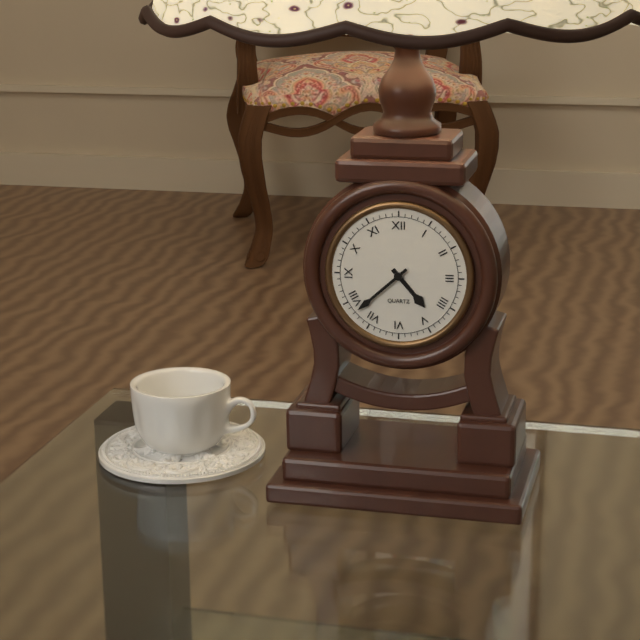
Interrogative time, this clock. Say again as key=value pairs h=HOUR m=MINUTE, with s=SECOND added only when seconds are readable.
h=4 m=38
